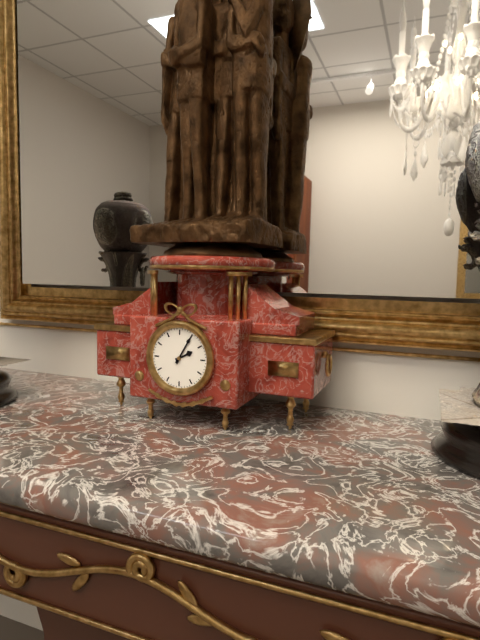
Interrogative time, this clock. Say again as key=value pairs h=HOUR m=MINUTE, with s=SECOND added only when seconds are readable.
h=2 m=5
